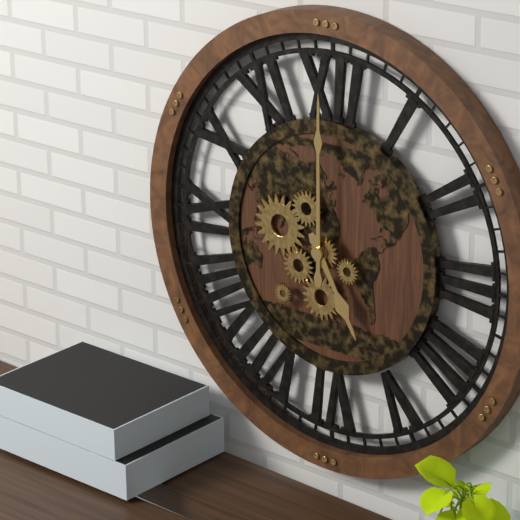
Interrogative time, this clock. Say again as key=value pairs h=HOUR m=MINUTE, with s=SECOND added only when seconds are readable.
h=5 m=0
